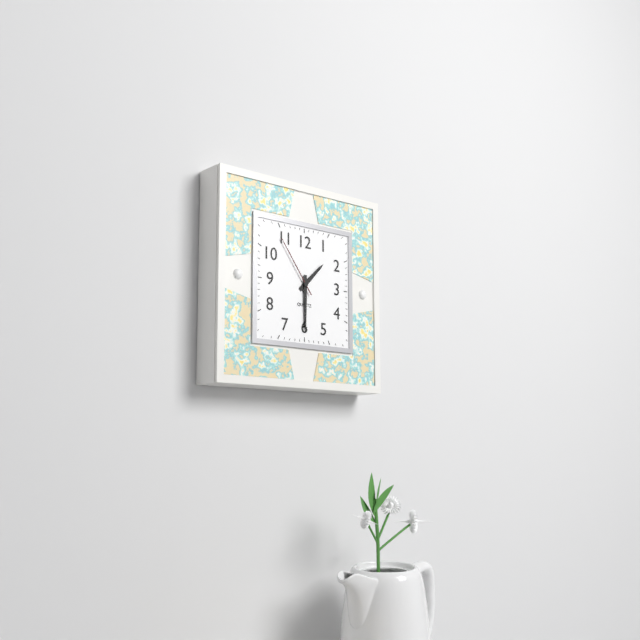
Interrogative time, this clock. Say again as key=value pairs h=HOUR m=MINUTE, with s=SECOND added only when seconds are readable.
h=1 m=30 s=54
